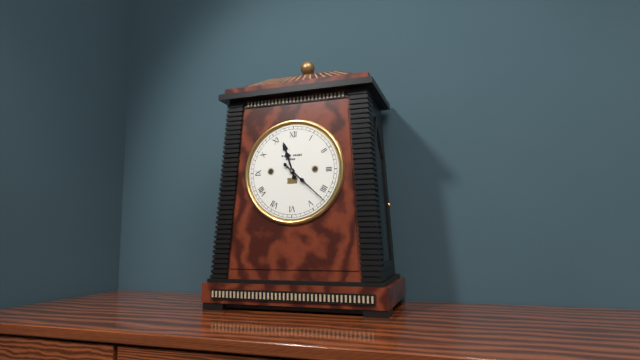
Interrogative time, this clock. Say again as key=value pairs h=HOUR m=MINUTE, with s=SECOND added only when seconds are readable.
h=11 m=22
